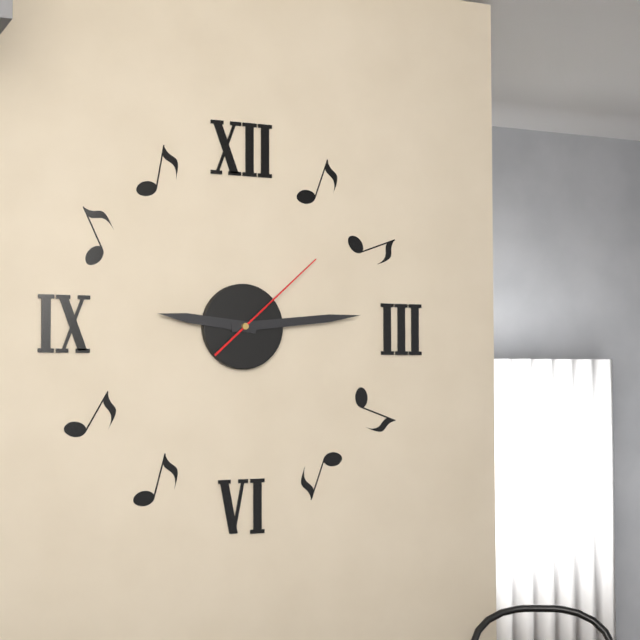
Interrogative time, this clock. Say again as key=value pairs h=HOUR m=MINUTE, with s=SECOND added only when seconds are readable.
h=9 m=14 s=8
